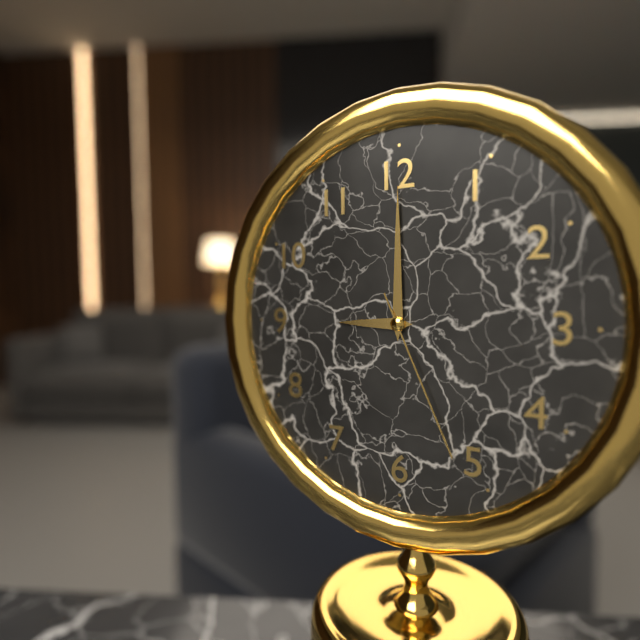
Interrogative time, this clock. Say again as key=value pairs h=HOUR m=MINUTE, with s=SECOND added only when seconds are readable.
h=9 m=0 s=26
